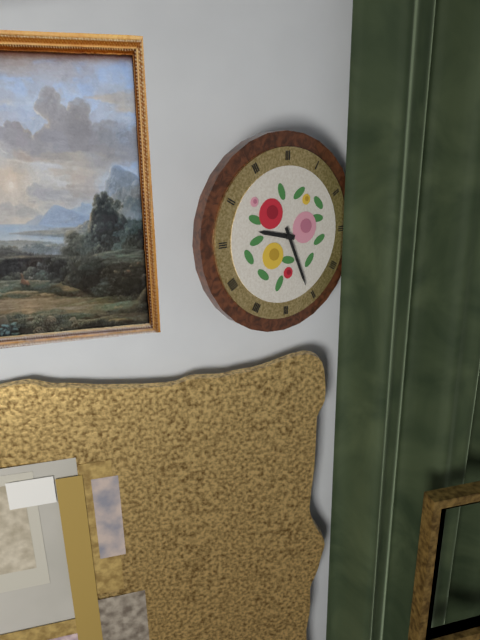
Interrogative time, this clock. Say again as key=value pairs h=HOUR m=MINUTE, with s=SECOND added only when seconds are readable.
h=9 m=26
